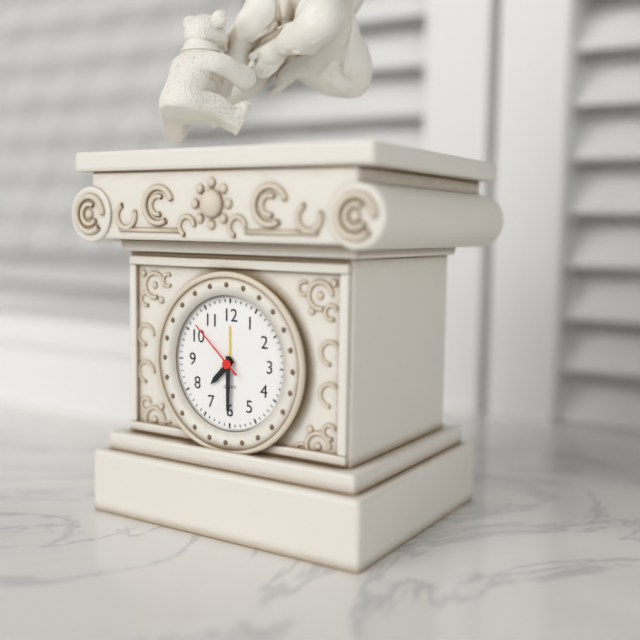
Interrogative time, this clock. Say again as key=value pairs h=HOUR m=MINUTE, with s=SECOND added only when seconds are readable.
h=7 m=30 s=52
